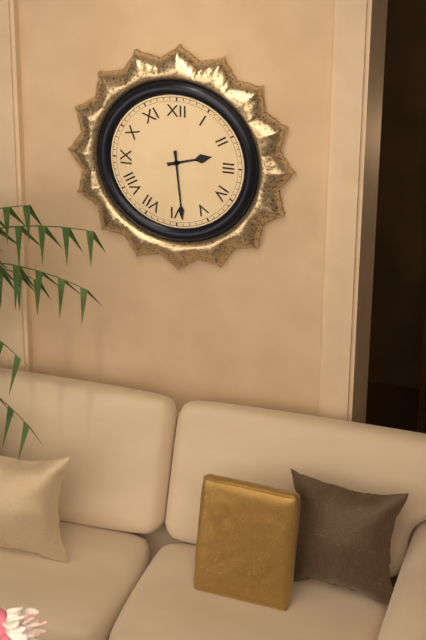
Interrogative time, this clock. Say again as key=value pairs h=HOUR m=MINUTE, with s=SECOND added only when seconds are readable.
h=2 m=29
